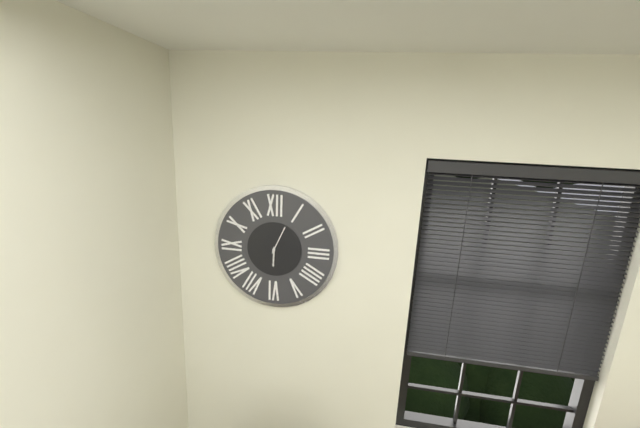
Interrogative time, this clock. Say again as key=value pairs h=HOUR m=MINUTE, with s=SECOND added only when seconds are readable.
h=6 m=4
